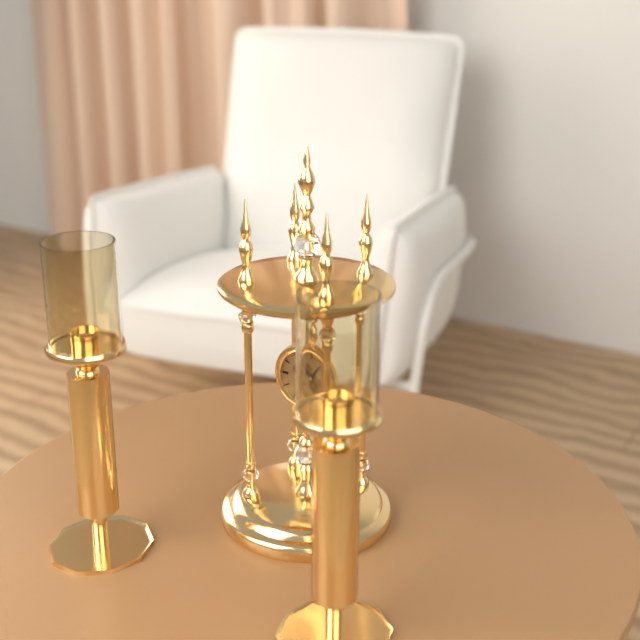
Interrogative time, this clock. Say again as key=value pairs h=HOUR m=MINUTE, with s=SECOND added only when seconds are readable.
h=10 m=7
